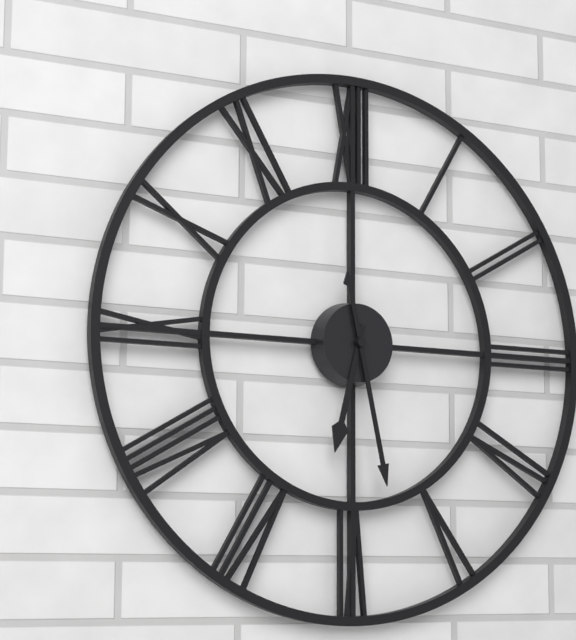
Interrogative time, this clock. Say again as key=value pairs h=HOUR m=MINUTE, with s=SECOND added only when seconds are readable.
h=6 m=28
